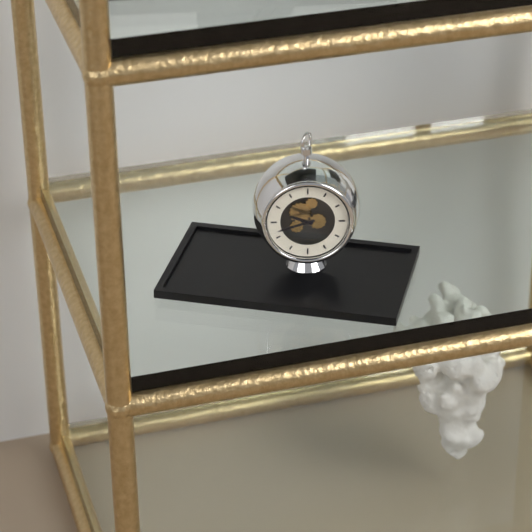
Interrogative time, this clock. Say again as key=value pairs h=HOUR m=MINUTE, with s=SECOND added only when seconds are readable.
h=9 m=42
